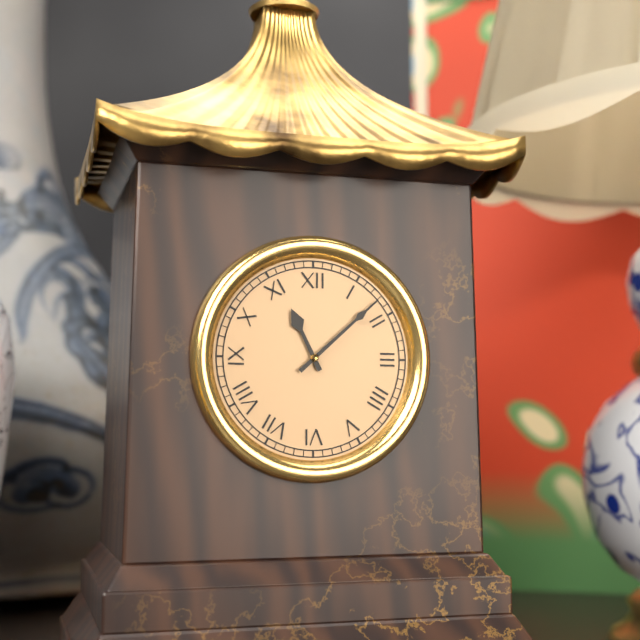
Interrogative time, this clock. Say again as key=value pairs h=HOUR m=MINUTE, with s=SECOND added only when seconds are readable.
h=11 m=8
